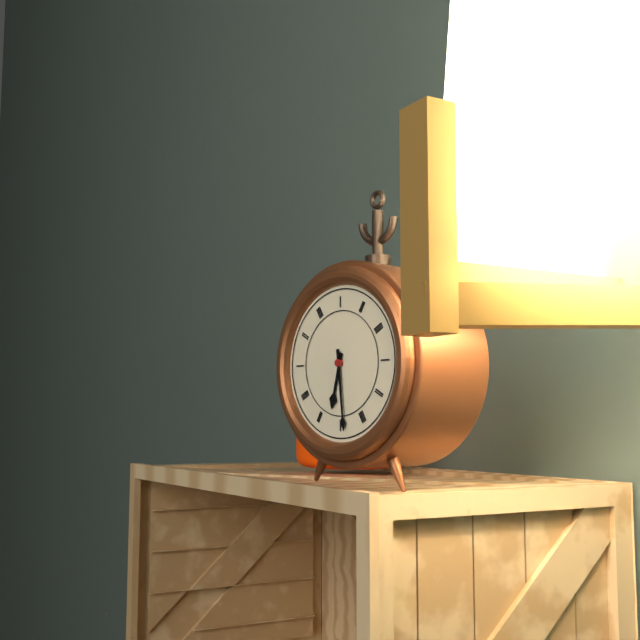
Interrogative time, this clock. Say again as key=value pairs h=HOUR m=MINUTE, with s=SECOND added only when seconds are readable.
h=6 m=29
